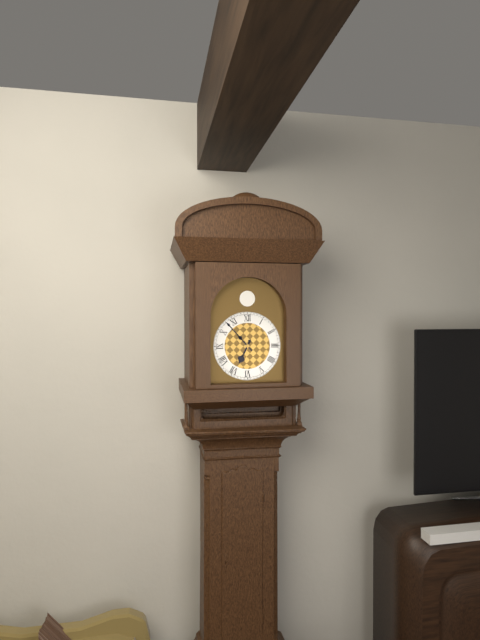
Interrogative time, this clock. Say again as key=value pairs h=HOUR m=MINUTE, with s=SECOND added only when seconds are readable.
h=6 m=53
